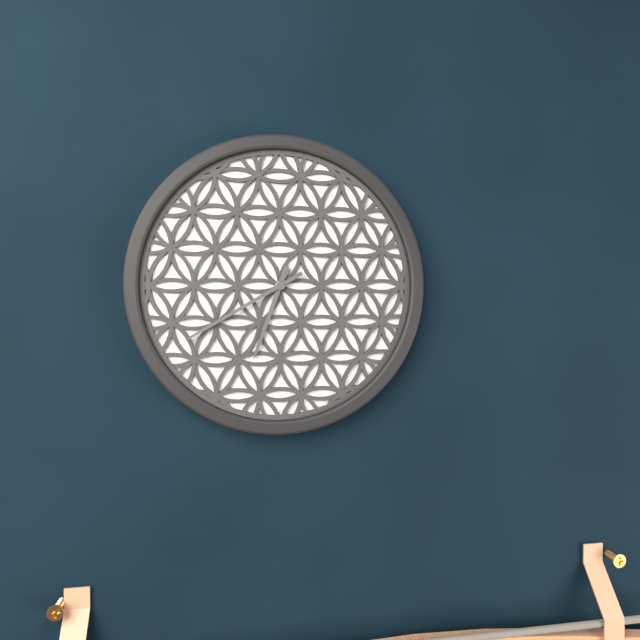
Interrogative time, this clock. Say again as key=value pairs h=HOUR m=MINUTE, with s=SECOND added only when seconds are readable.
h=6 m=40
